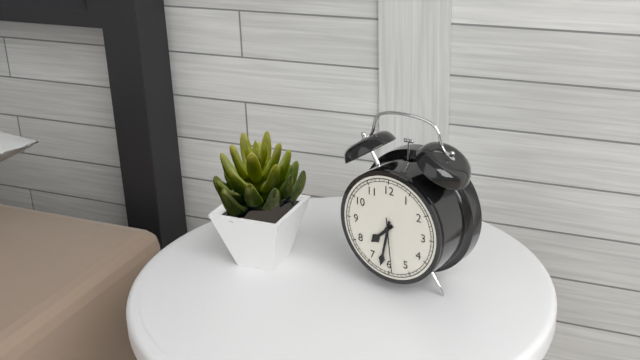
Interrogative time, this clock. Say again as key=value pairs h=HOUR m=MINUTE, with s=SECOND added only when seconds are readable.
h=7 m=32 s=29
